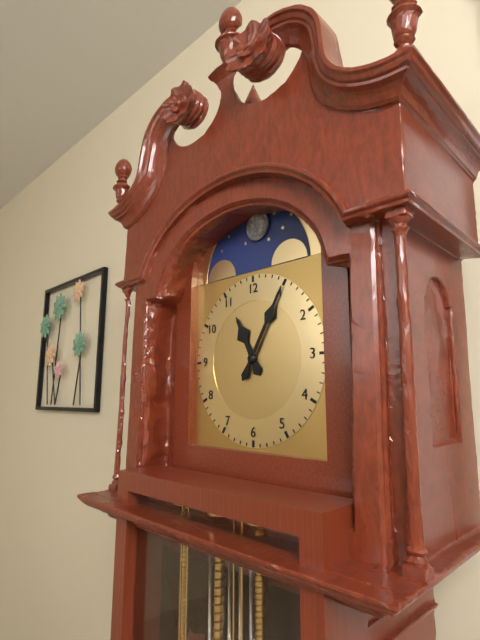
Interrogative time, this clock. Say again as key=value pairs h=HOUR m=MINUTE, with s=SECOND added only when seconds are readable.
h=11 m=5
